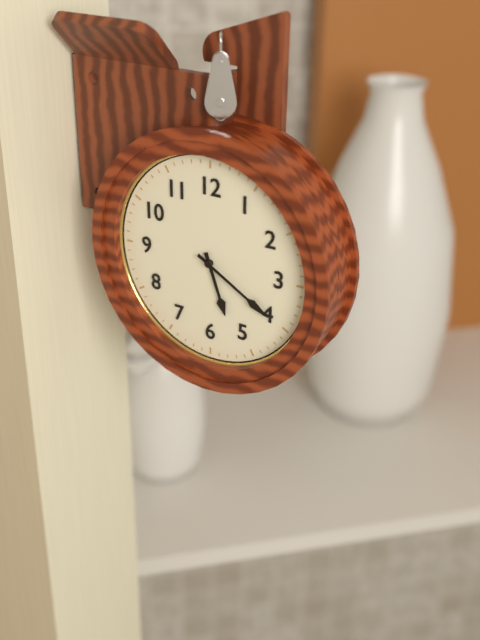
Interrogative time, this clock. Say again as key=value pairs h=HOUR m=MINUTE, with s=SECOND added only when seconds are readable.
h=5 m=20
